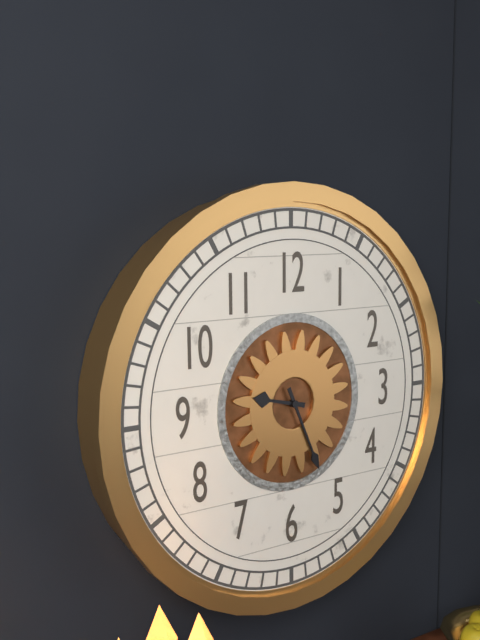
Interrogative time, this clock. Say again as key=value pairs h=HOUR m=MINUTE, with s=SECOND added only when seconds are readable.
h=9 m=26
